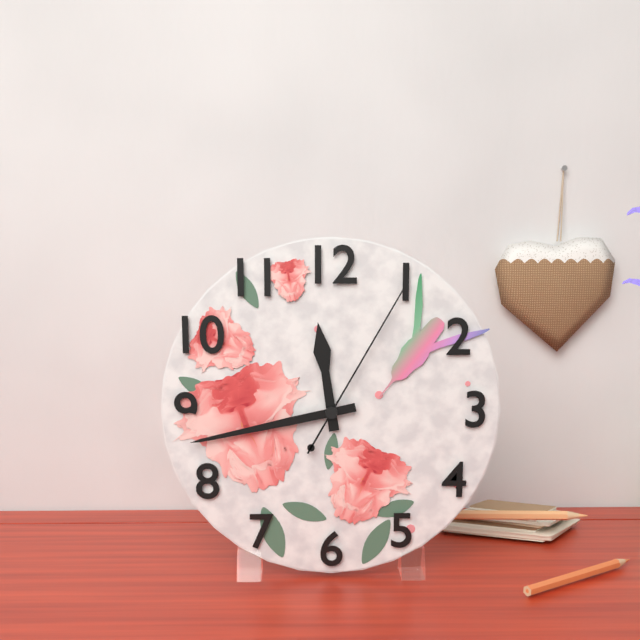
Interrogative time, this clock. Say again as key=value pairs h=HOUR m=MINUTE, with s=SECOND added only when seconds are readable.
h=11 m=43 s=5
